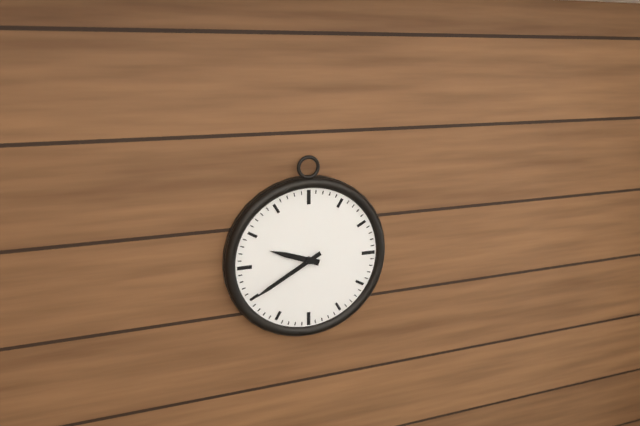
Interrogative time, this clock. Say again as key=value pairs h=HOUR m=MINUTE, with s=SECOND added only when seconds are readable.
h=9 m=40
